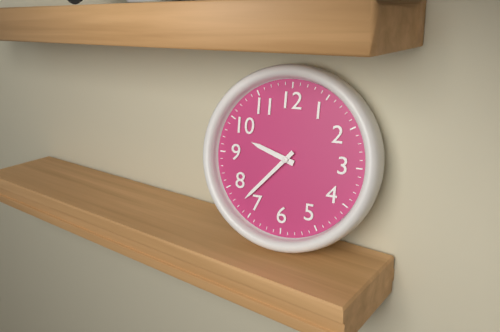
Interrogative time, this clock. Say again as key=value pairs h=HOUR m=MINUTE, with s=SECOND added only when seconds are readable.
h=9 m=37
